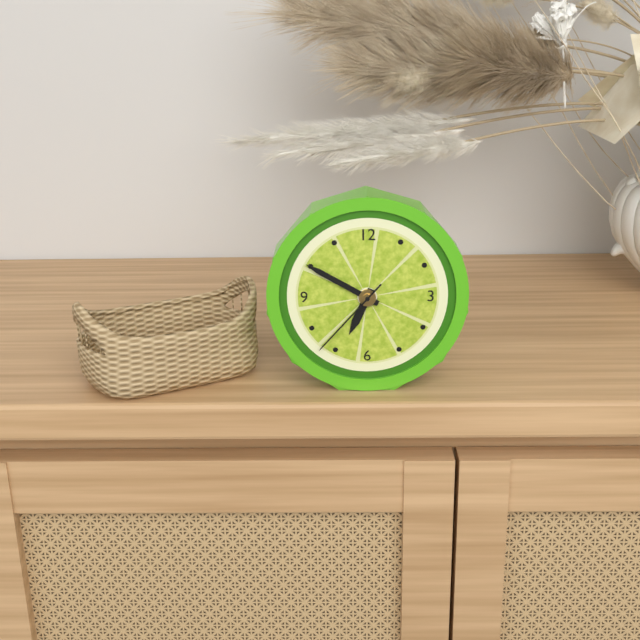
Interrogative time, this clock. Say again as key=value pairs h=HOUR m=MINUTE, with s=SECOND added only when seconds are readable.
h=6 m=50 s=37
